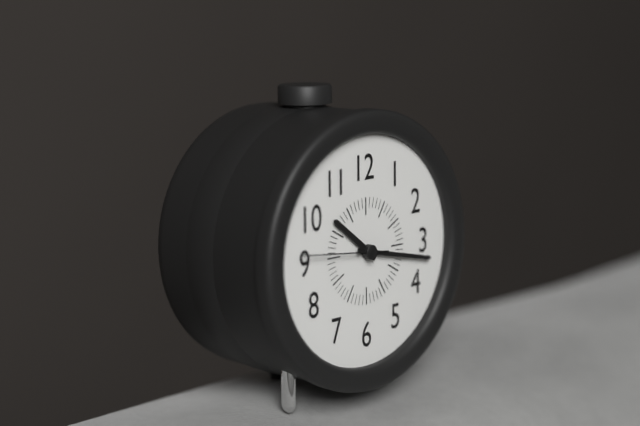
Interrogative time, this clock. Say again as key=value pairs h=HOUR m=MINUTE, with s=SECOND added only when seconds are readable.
h=10 m=17 s=46
